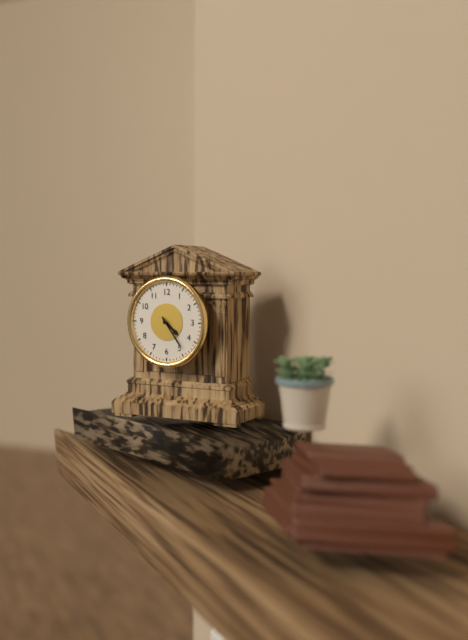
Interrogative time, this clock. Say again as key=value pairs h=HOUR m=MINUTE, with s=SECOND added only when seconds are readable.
h=4 m=24
